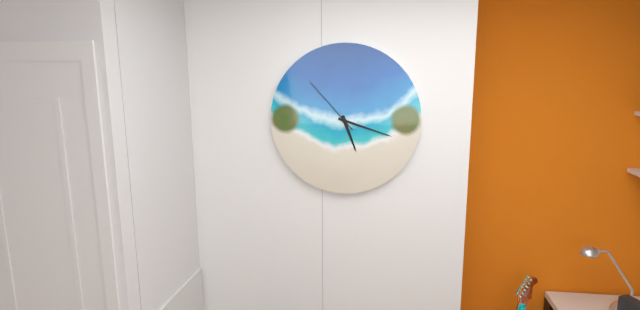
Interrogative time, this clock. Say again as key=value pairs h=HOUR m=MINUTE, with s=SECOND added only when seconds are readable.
h=5 m=18 s=53
